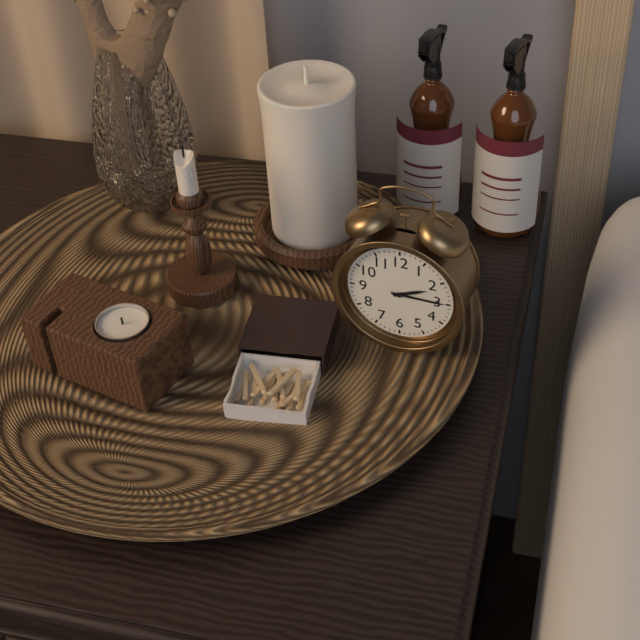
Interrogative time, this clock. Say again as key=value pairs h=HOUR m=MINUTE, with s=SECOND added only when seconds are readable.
h=2 m=15
